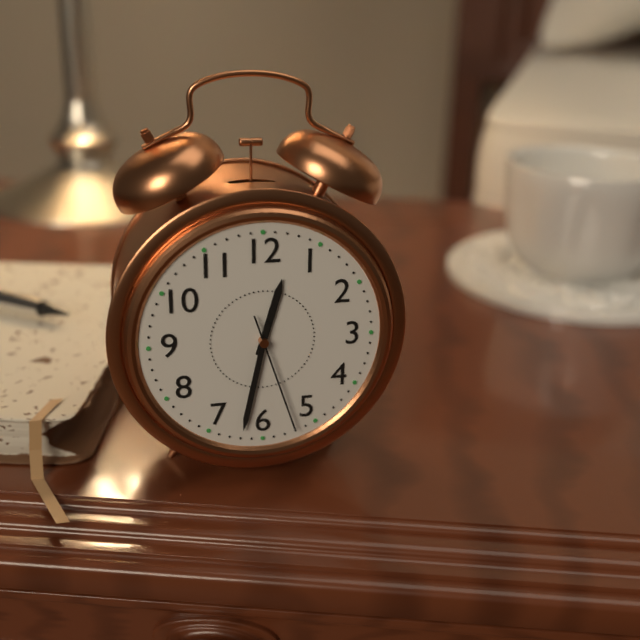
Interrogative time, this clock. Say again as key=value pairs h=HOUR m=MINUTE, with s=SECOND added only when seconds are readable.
h=12 m=32 s=27
